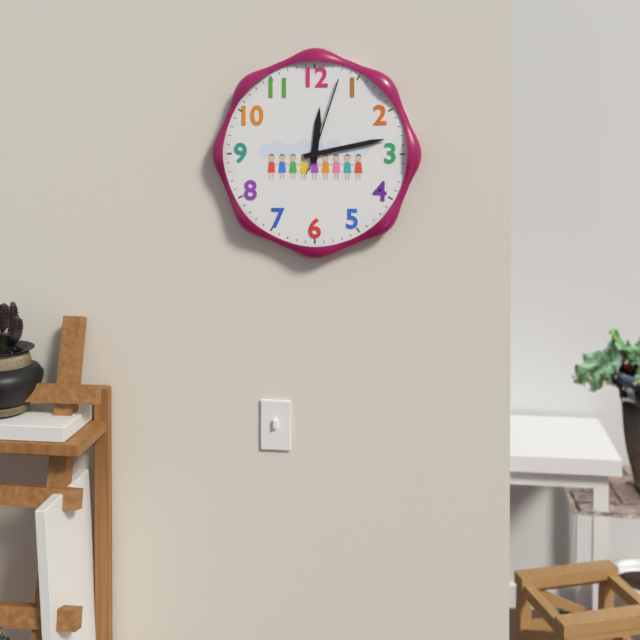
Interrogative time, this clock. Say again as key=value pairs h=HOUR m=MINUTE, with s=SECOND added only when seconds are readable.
h=12 m=13 s=3
